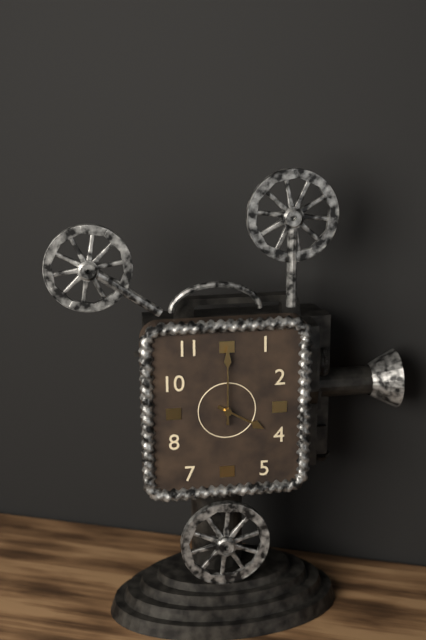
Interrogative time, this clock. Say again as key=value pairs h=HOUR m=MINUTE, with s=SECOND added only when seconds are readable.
h=4 m=0
